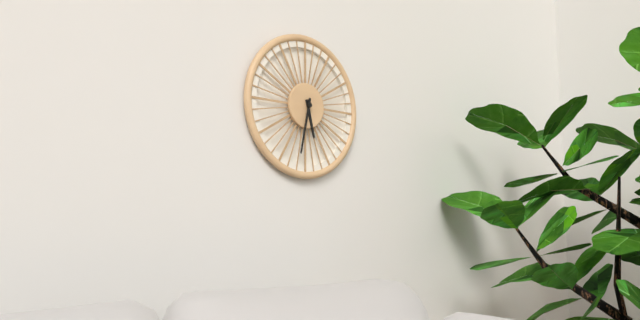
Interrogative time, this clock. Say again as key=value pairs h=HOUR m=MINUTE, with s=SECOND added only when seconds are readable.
h=5 m=32
